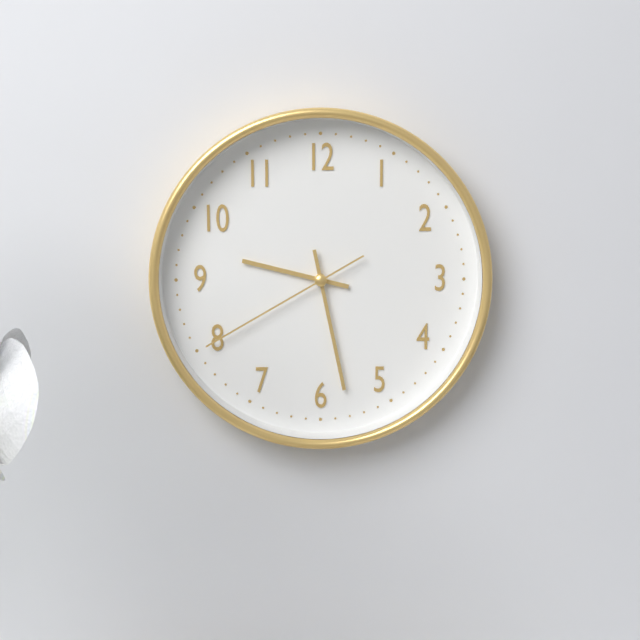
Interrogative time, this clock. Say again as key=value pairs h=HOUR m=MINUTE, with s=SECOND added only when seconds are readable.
h=9 m=28 s=40
